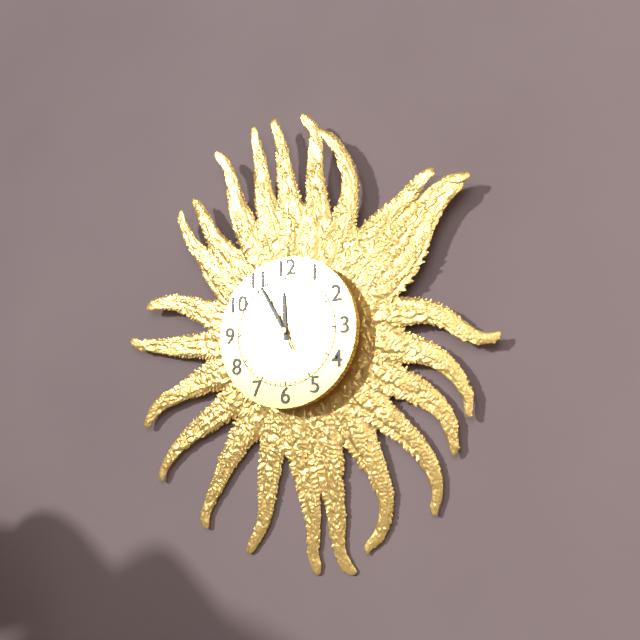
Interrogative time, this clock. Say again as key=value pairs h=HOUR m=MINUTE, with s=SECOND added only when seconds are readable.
h=11 m=55 s=56
